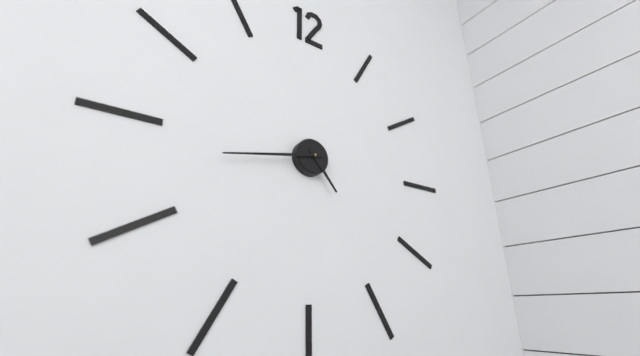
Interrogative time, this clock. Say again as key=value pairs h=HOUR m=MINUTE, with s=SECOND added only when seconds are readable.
h=4 m=43
